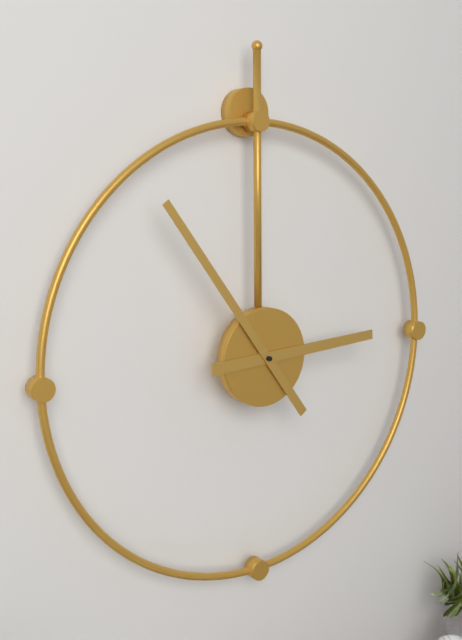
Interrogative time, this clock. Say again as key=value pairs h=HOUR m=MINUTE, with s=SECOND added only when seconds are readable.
h=2 m=54
